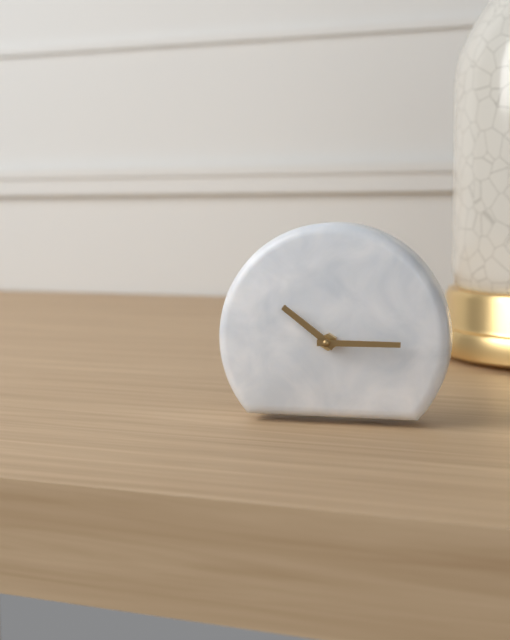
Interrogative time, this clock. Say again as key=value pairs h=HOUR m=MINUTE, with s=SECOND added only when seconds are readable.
h=10 m=15
